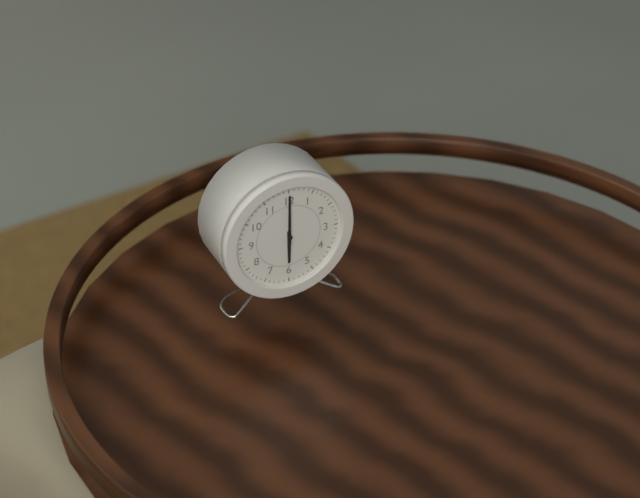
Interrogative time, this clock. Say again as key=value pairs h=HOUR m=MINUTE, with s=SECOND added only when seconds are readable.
h=6 m=0
